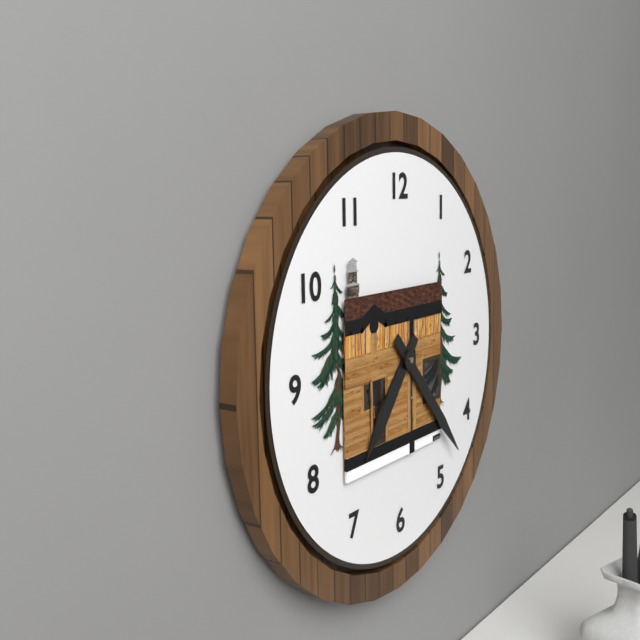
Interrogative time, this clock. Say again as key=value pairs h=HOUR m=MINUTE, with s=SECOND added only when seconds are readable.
h=7 m=23
